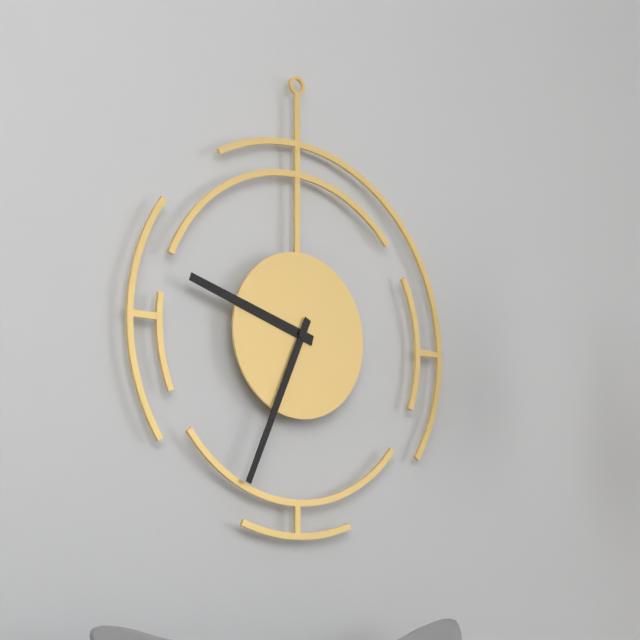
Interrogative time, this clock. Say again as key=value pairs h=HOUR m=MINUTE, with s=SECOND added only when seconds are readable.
h=9 m=34
